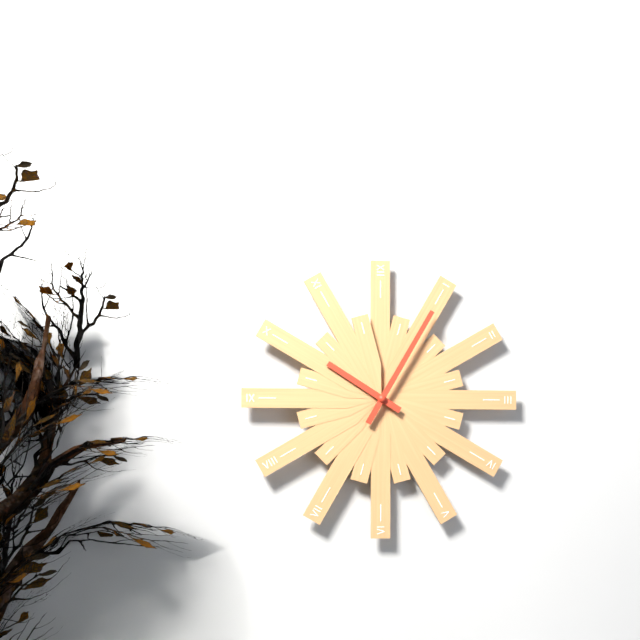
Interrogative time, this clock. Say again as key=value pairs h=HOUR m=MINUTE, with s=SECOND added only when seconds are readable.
h=10 m=5
